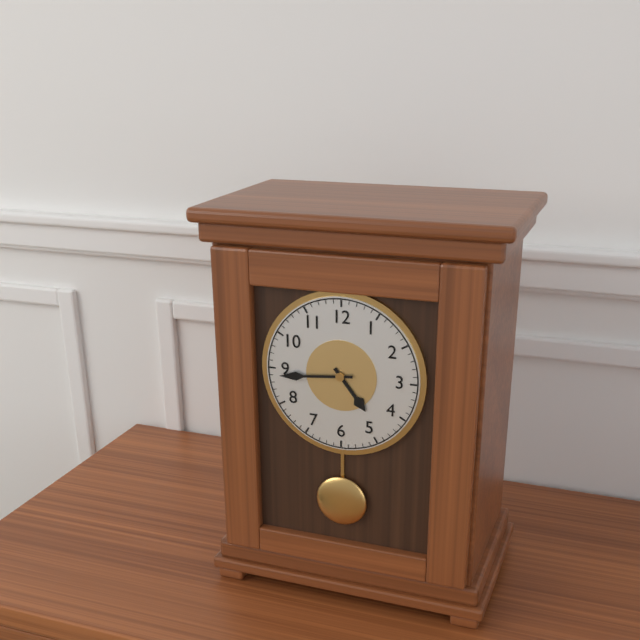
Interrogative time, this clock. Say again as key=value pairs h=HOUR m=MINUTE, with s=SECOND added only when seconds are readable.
h=4 m=44
